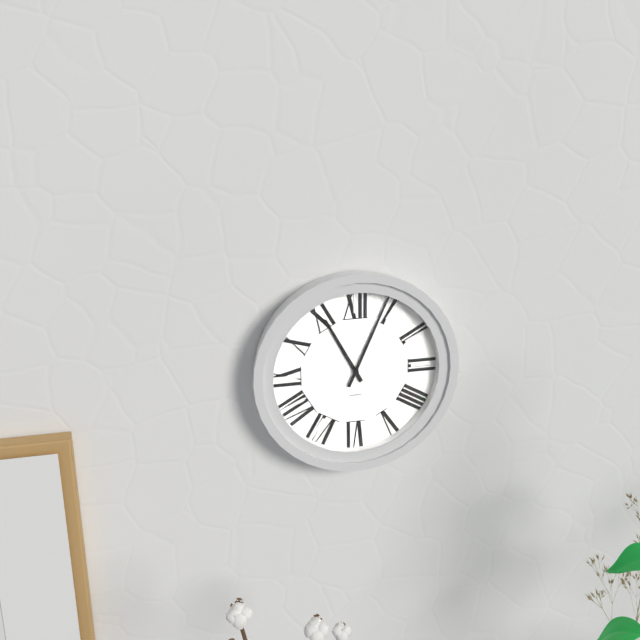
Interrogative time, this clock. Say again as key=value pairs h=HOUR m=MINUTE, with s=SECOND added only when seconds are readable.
h=11 m=4
